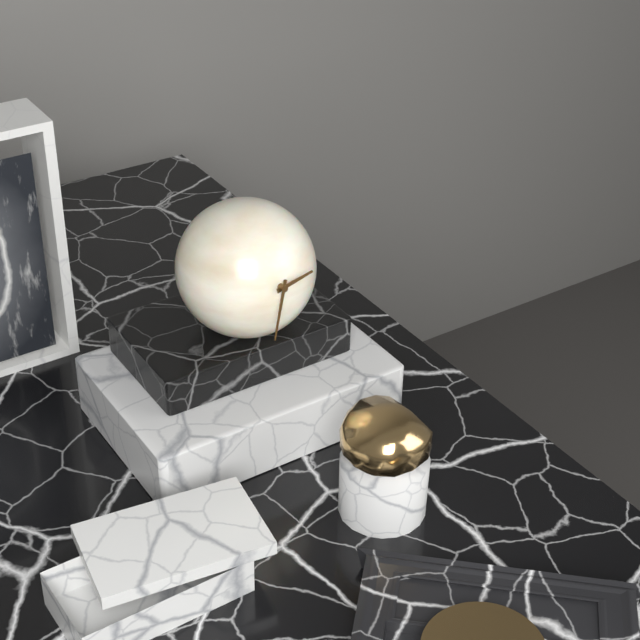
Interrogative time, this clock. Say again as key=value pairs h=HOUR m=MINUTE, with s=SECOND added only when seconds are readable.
h=2 m=33
